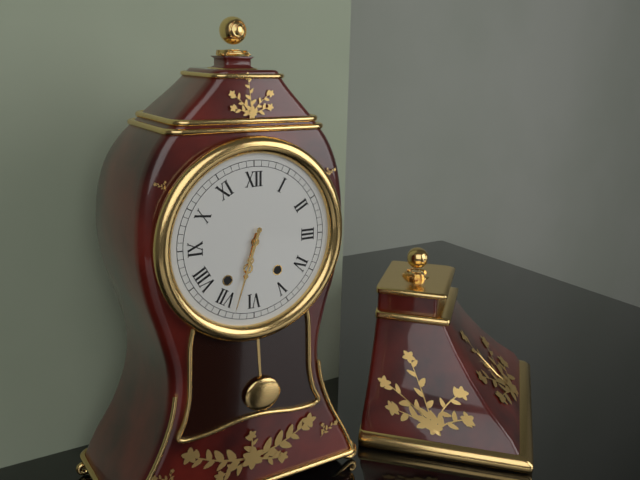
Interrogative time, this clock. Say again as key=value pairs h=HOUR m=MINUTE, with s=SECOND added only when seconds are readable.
h=6 m=33
